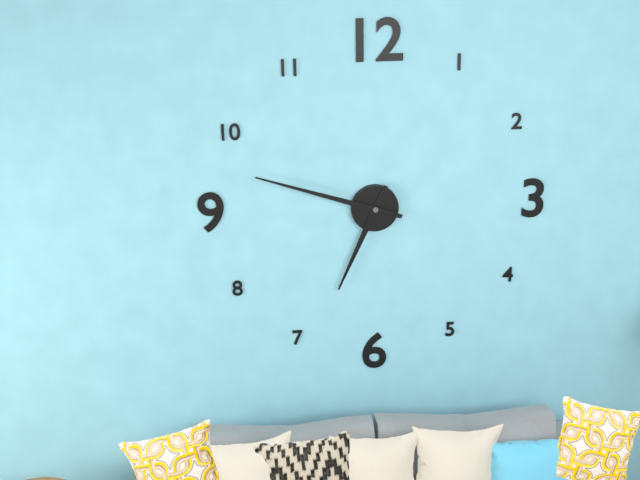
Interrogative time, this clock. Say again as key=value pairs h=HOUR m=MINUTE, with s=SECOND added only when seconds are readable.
h=6 m=48
